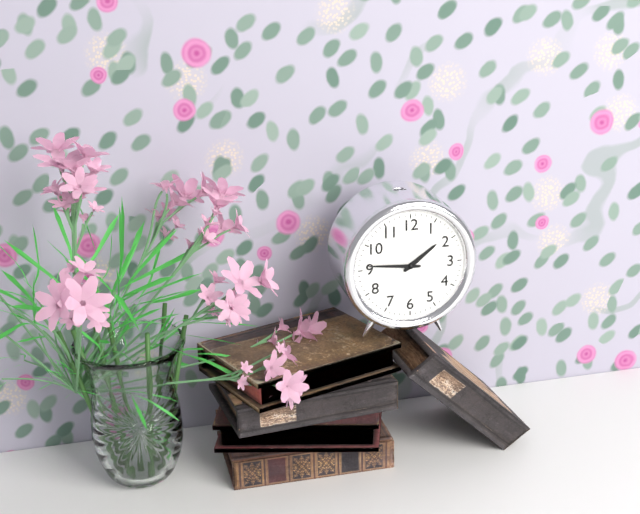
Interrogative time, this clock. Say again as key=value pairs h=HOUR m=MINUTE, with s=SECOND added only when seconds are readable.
h=1 m=46
